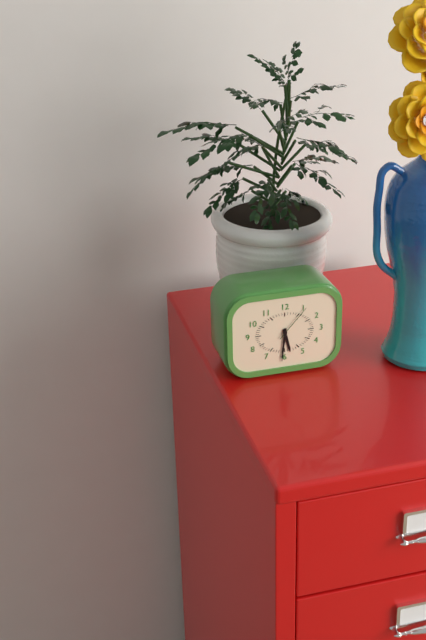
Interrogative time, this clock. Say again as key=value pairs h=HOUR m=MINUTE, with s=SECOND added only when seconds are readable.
h=5 m=31
